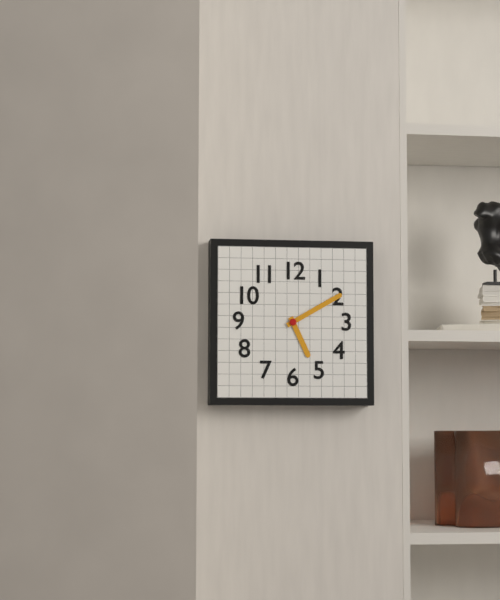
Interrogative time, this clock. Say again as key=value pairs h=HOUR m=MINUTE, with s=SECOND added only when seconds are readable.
h=5 m=10
